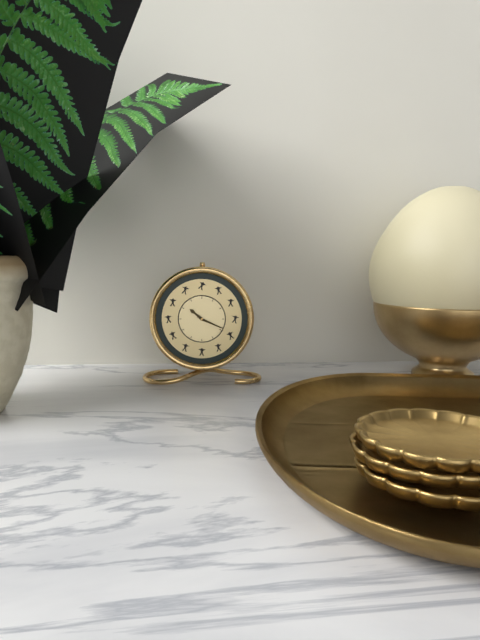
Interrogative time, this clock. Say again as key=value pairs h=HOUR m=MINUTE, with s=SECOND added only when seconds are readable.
h=10 m=19
